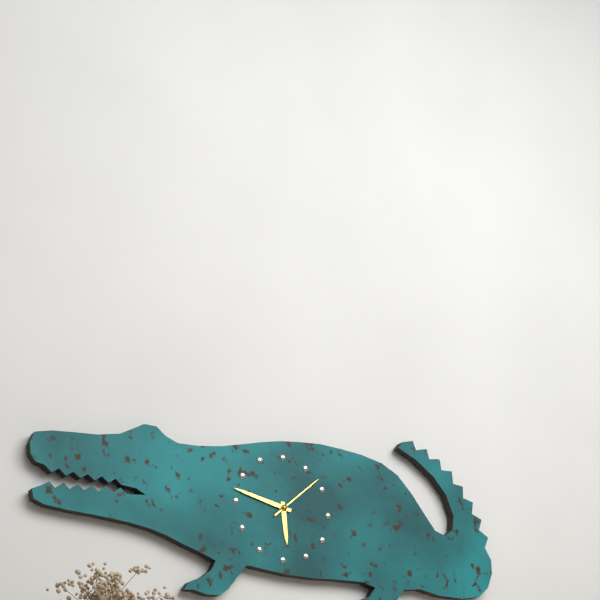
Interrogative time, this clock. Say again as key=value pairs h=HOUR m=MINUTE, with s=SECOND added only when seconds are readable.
h=5 m=47 s=8
